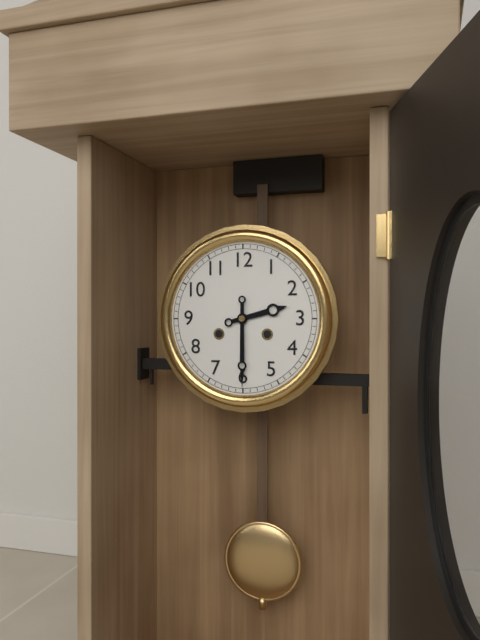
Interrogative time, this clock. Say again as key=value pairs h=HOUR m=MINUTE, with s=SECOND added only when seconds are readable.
h=2 m=30
